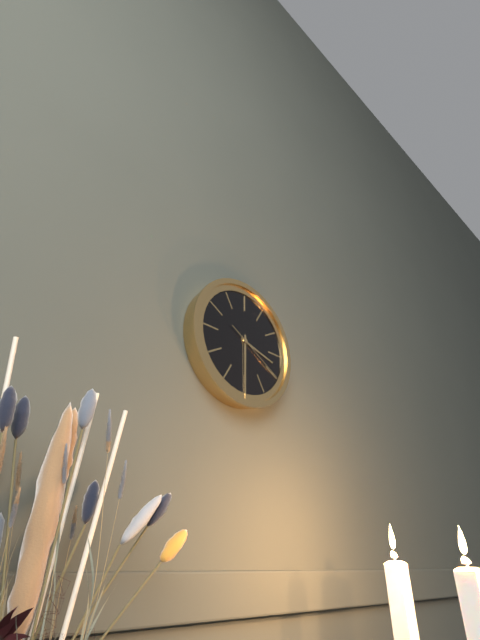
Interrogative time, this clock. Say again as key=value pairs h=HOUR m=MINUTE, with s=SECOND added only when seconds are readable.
h=3 m=30 s=20
